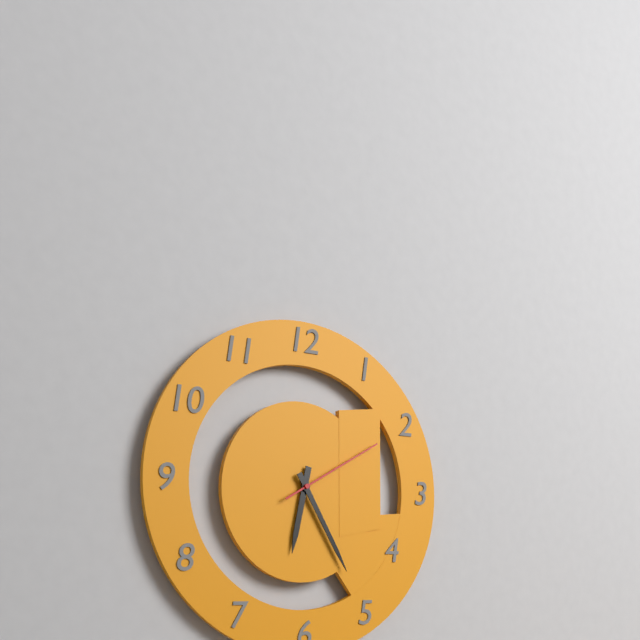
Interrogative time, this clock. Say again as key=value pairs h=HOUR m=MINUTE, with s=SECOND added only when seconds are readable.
h=6 m=25 s=10
